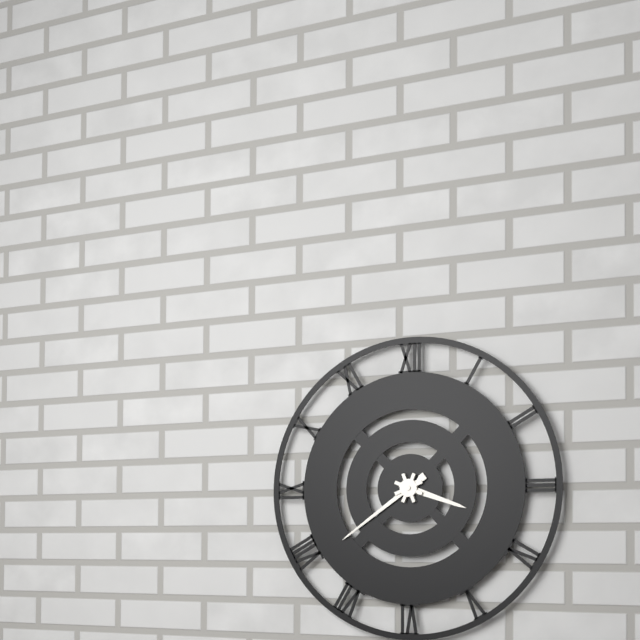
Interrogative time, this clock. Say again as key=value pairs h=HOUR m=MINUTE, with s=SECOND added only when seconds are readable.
h=3 m=39
